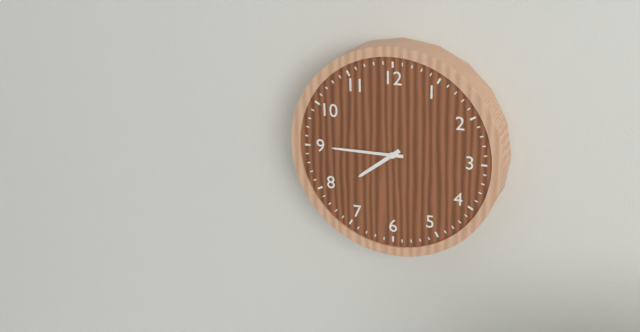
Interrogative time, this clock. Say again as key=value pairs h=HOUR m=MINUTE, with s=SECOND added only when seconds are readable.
h=7 m=45
